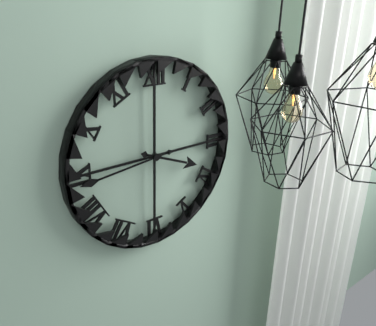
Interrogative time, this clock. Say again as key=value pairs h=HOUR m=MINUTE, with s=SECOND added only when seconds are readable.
h=3 m=44
